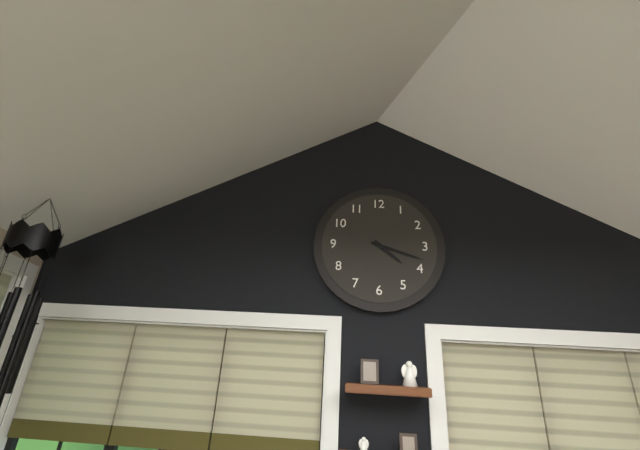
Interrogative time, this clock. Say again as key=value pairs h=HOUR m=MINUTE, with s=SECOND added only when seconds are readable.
h=4 m=18
